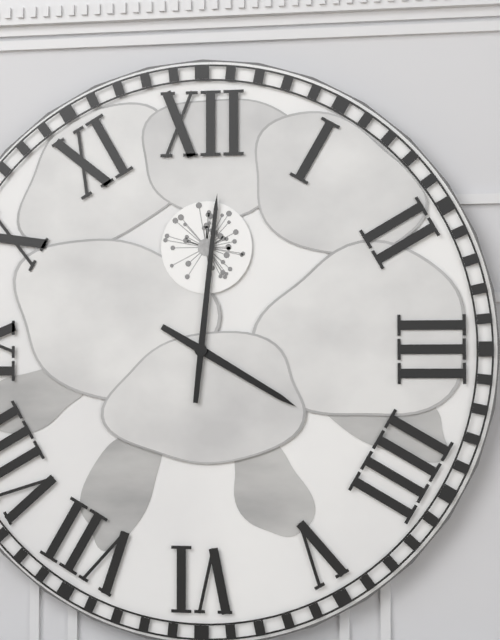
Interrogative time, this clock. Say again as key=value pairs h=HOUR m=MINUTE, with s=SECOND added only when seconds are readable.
h=4 m=1
